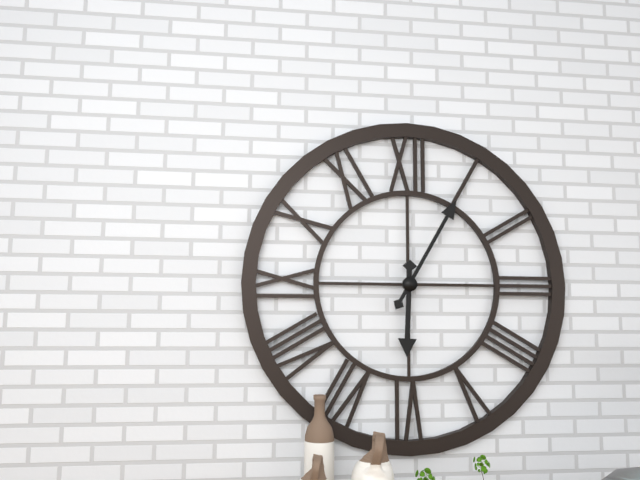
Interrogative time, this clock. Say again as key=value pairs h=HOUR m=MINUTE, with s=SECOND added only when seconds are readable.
h=6 m=5
